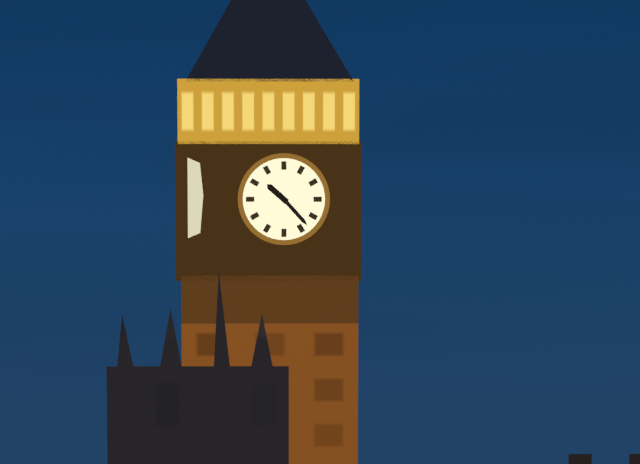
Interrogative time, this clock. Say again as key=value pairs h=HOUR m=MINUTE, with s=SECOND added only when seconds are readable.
h=10 m=23
